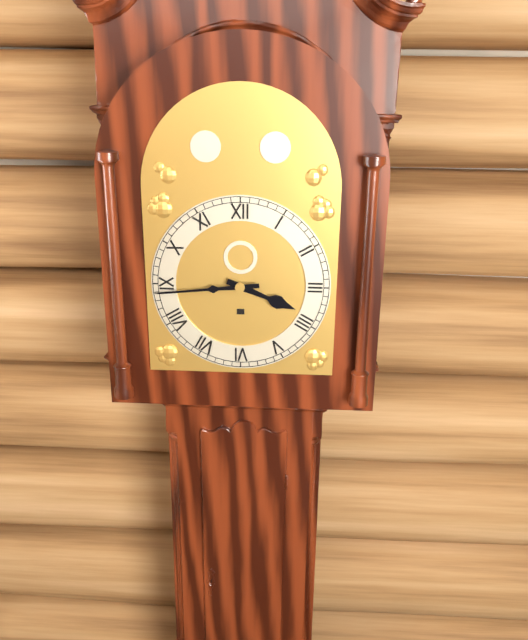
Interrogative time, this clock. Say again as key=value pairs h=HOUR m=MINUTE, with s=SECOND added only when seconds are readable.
h=3 m=44
